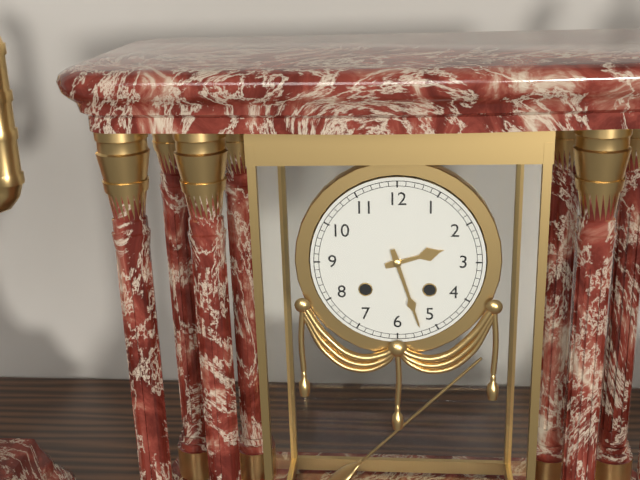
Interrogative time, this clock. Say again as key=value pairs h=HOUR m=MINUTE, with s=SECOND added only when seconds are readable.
h=2 m=27
